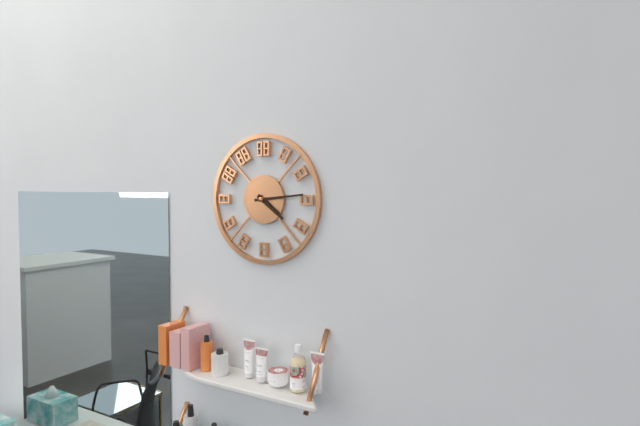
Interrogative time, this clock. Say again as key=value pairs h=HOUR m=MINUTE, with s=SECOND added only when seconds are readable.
h=4 m=14
